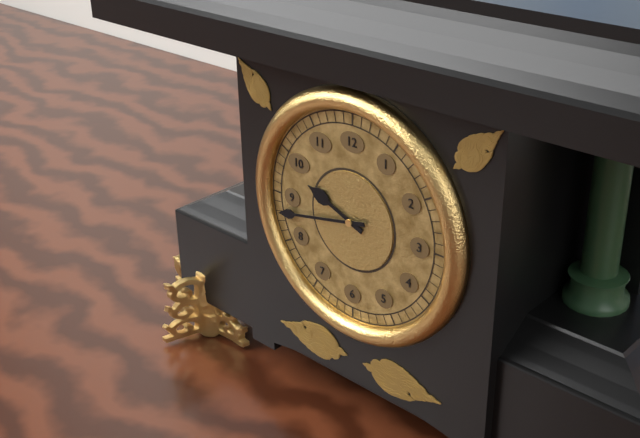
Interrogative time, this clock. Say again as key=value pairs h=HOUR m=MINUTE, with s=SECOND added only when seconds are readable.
h=9 m=43
